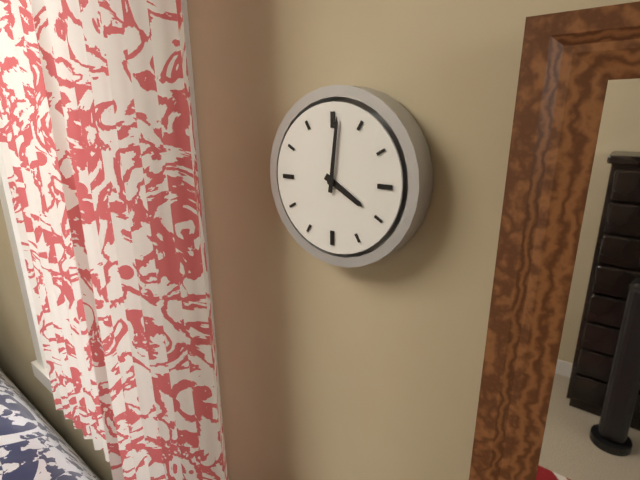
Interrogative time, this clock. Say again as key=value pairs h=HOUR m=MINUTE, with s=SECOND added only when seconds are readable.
h=4 m=1
